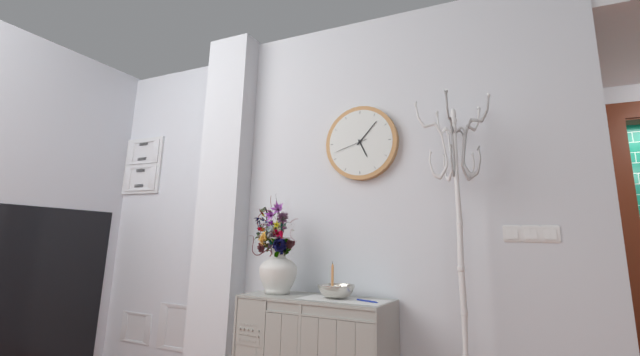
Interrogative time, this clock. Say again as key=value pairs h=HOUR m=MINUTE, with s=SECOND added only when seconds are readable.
h=5 m=7
